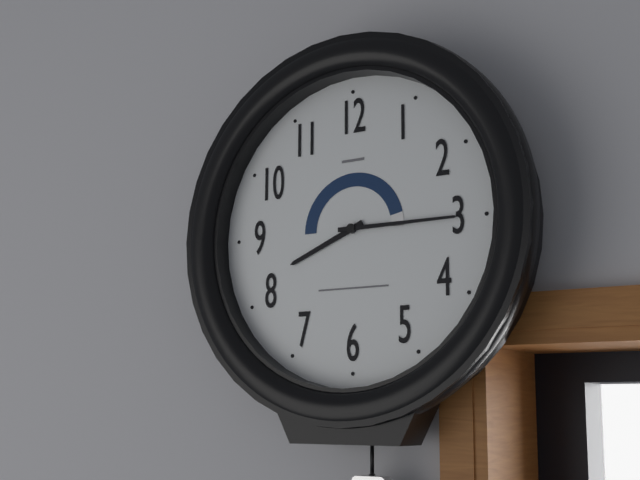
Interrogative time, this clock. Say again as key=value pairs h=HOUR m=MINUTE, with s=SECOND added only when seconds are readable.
h=8 m=15
